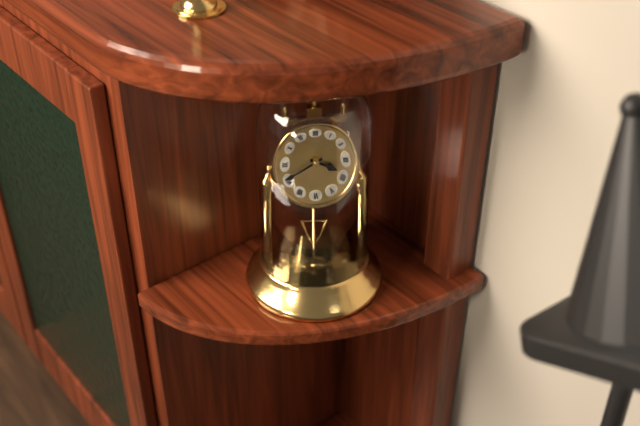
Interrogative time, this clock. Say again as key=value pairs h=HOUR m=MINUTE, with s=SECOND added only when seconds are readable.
h=3 m=41
